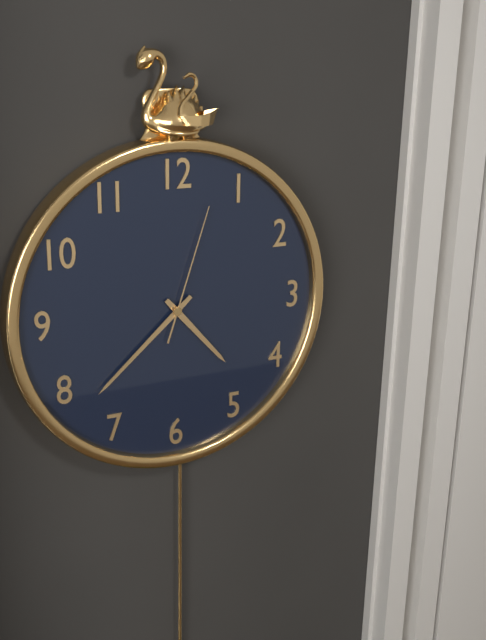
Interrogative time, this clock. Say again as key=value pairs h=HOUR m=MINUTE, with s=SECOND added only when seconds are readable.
h=4 m=38 s=3
